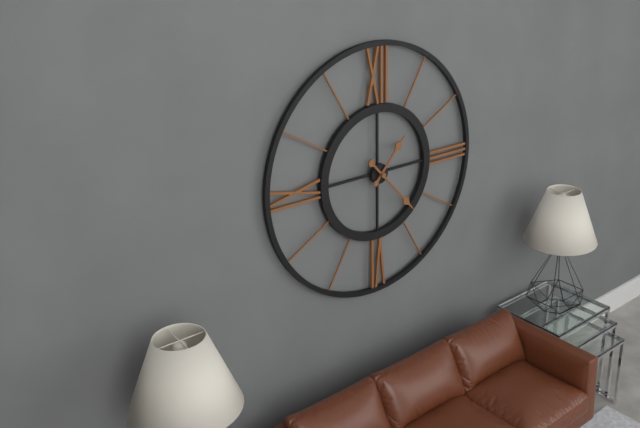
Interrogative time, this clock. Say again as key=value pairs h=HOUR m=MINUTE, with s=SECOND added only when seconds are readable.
h=1 m=23
